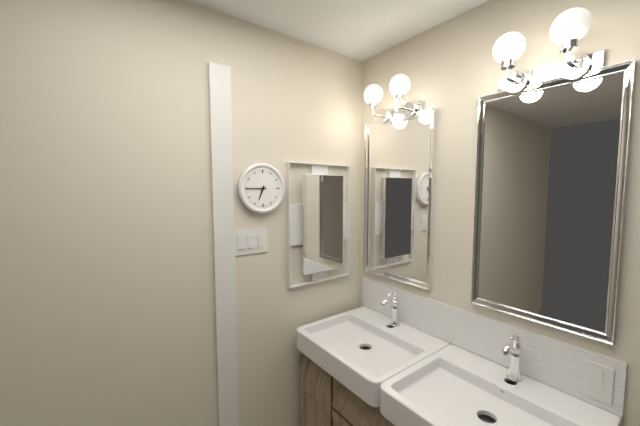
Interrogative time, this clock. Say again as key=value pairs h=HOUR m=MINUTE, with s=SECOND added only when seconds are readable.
h=6 m=45
